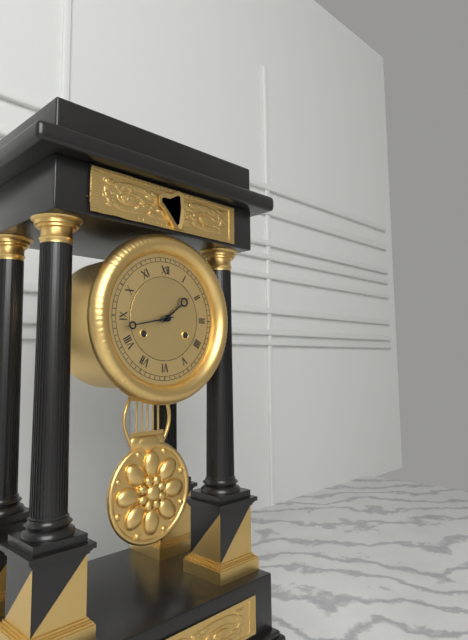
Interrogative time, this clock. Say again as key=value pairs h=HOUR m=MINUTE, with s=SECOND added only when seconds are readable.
h=1 m=43
